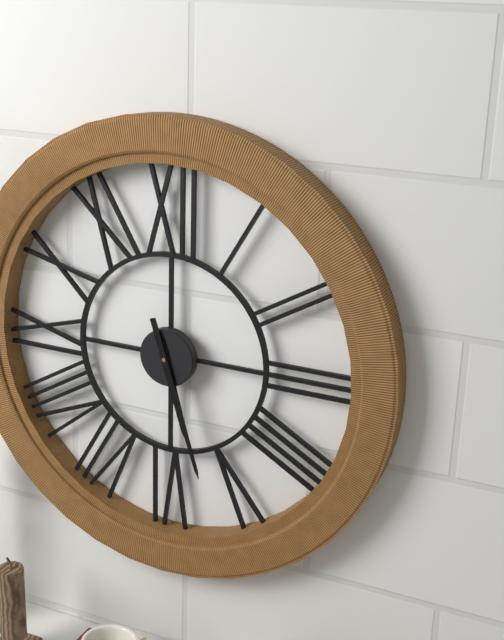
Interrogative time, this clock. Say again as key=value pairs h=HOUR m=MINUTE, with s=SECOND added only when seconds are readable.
h=5 m=27
